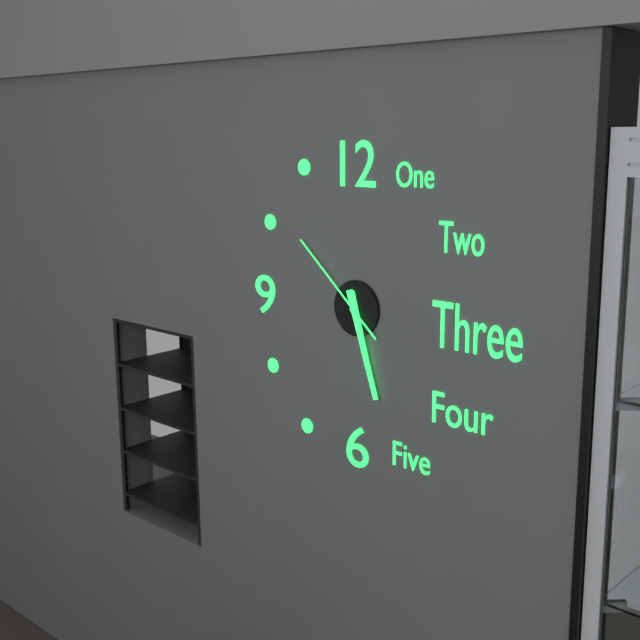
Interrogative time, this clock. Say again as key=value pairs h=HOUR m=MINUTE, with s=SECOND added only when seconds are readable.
h=5 m=27 s=52
